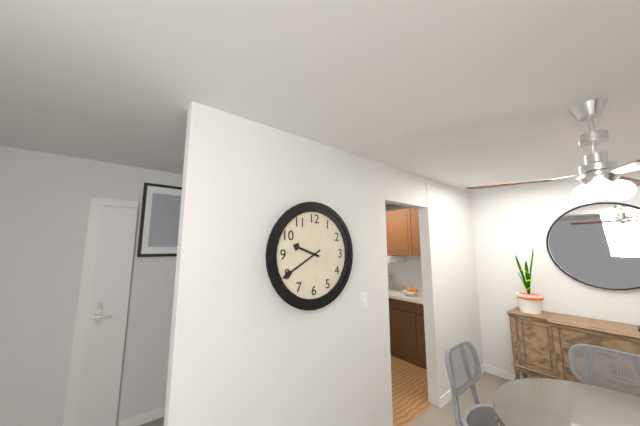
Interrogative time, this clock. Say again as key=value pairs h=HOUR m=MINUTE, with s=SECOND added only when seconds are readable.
h=9 m=40
